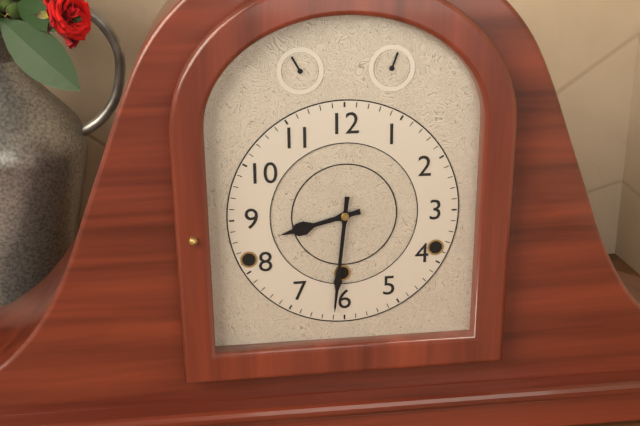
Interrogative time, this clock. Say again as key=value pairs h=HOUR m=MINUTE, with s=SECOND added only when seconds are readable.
h=8 m=31
